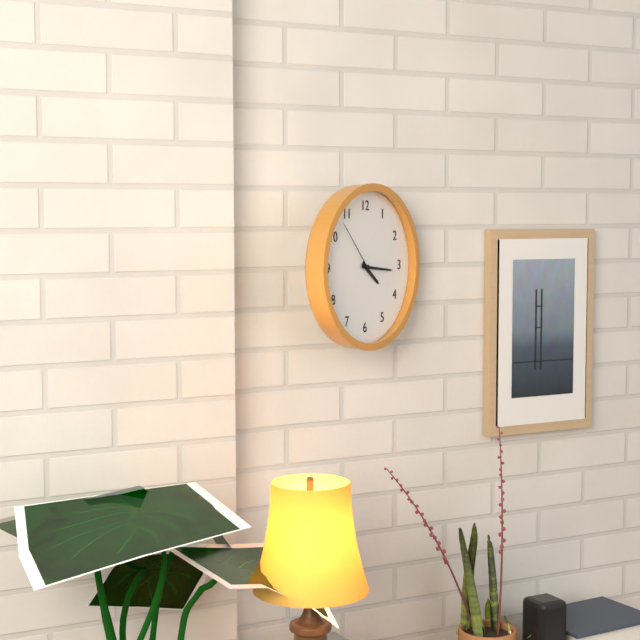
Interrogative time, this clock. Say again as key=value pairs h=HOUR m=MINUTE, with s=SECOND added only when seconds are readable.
h=4 m=16 s=53
